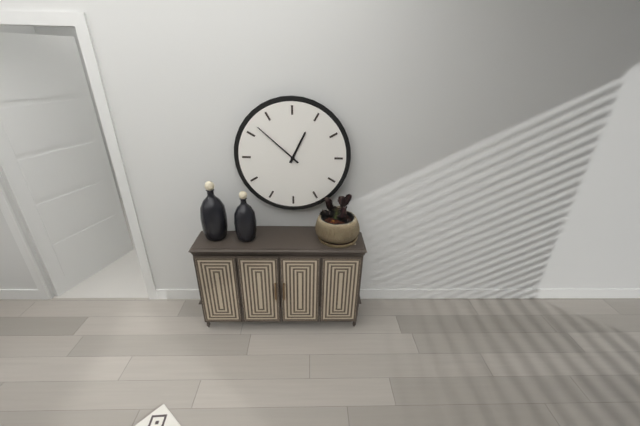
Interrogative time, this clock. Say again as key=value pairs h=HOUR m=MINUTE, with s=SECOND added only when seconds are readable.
h=12 m=52
